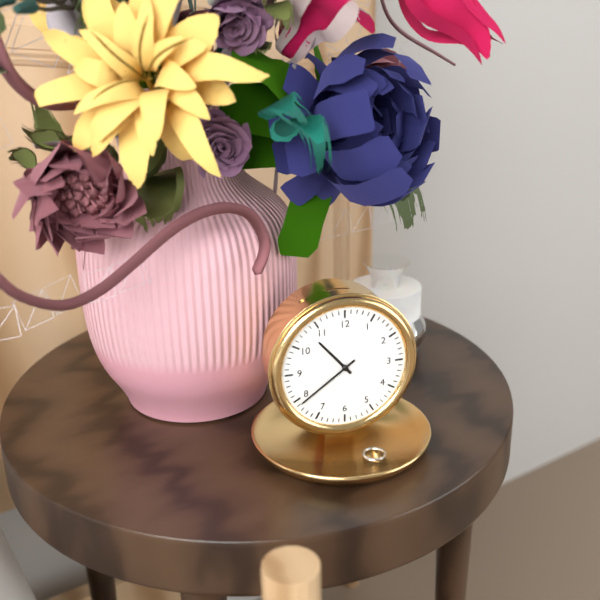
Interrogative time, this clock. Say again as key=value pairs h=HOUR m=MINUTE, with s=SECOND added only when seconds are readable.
h=10 m=39
